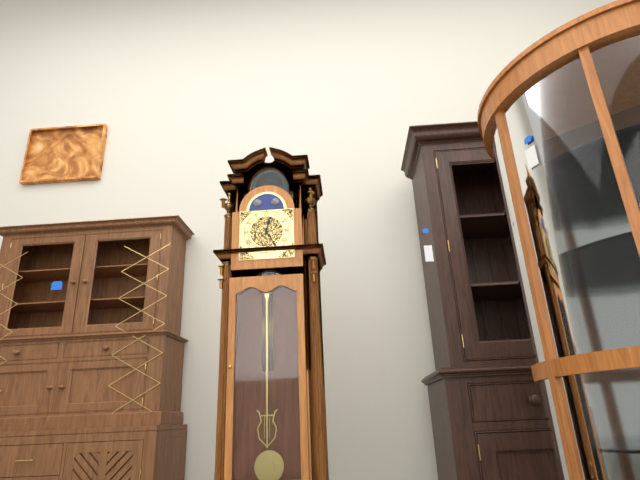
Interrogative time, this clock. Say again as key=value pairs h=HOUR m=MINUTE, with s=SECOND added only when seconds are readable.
h=12 m=25
